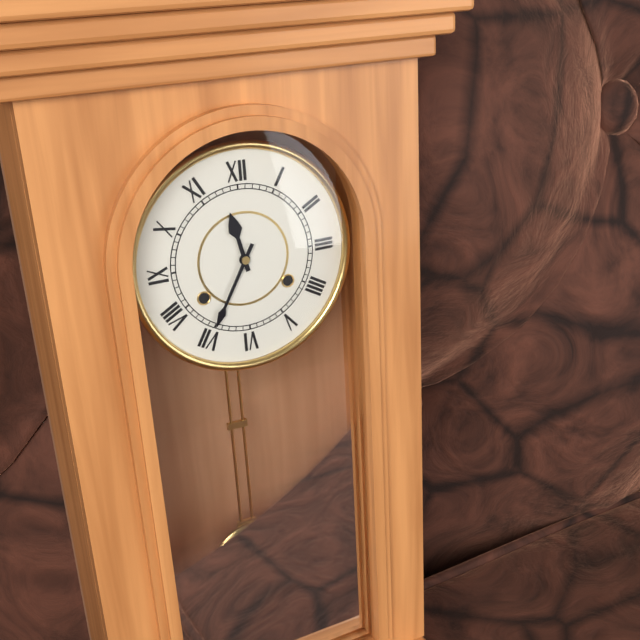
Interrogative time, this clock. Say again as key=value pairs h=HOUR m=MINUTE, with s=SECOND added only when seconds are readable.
h=11 m=35
